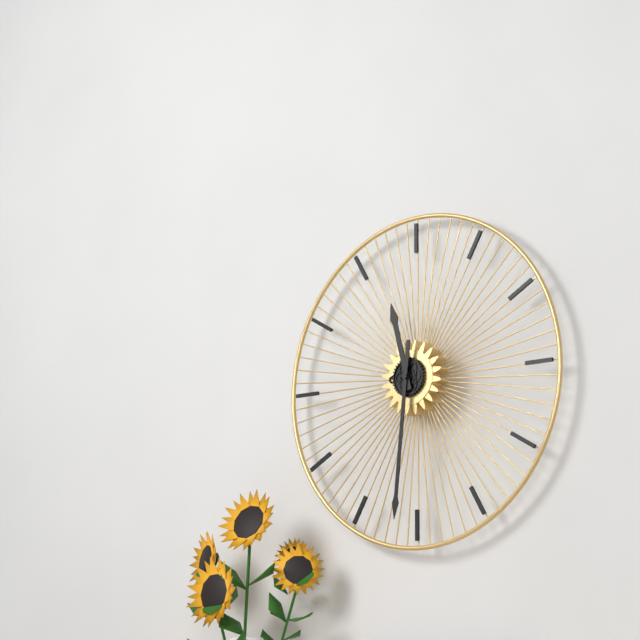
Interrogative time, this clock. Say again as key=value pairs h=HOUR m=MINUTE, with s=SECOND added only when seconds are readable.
h=11 m=31
